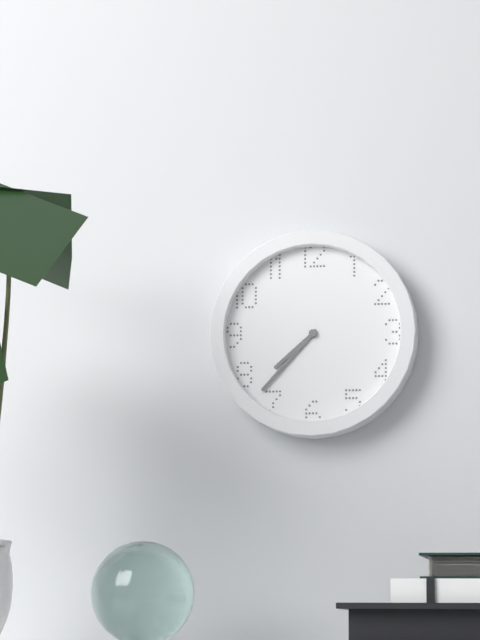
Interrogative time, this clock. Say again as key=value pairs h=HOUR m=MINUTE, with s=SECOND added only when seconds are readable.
h=7 m=37
